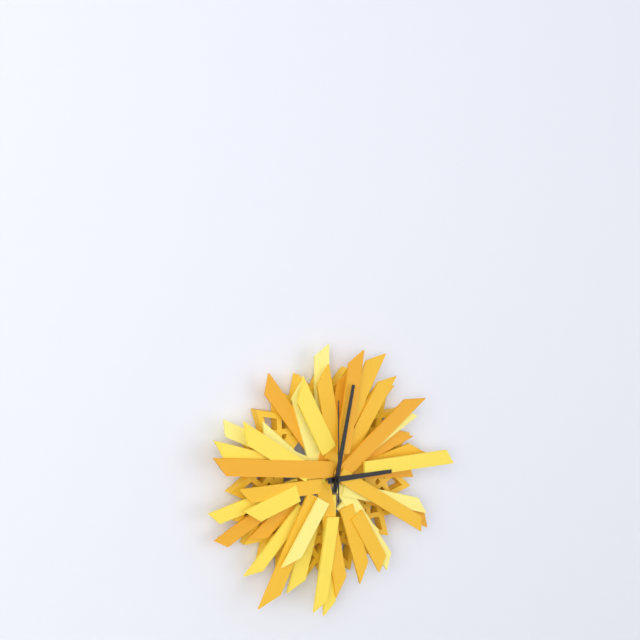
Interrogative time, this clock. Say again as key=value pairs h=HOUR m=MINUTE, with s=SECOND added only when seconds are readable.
h=3 m=2 s=0
